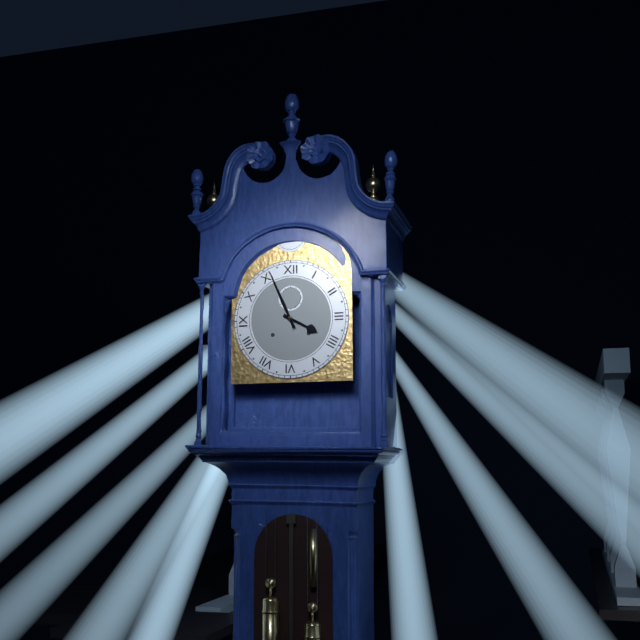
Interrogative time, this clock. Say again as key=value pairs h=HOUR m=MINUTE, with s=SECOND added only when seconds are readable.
h=3 m=56
